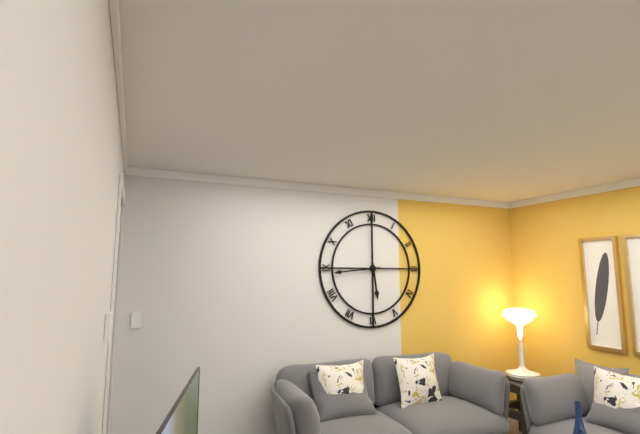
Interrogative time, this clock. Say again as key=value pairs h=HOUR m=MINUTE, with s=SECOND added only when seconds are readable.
h=5 m=44
